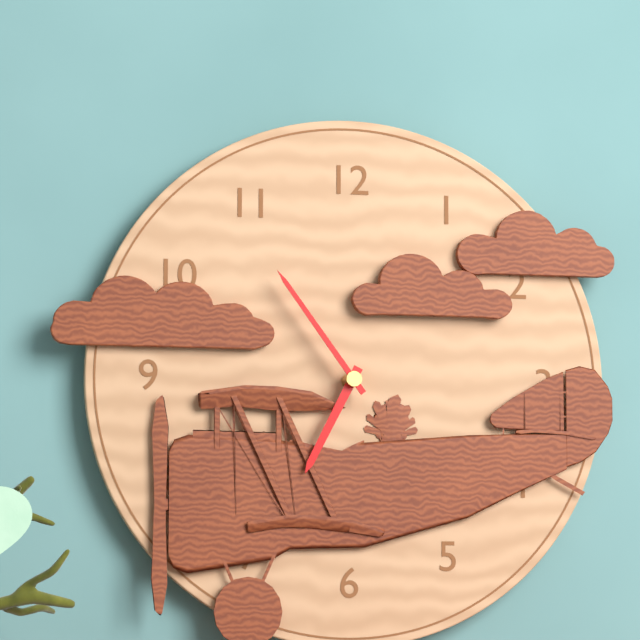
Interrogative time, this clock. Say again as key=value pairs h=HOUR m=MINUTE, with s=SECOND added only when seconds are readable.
h=6 m=54
